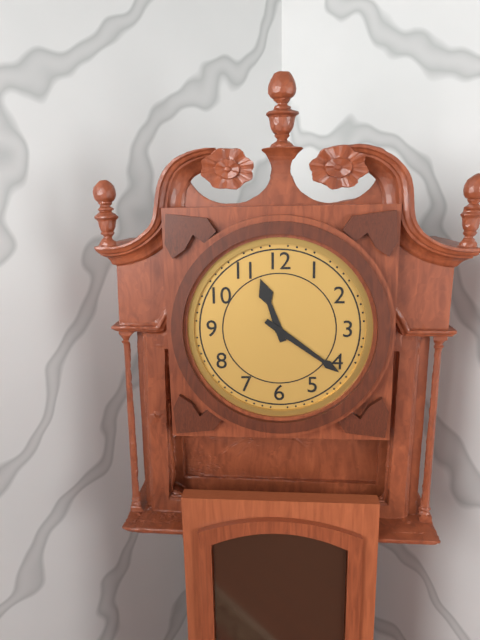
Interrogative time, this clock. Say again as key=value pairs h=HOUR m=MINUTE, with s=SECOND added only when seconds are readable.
h=11 m=21
